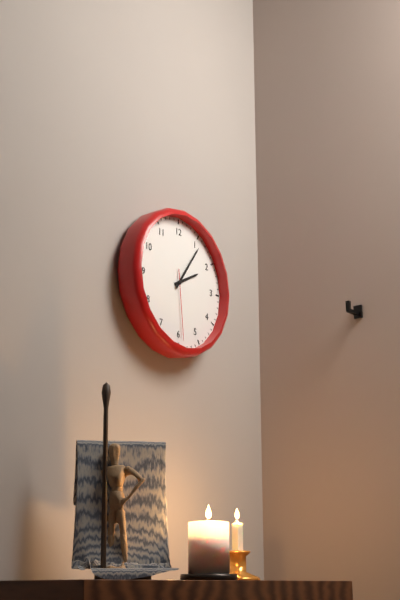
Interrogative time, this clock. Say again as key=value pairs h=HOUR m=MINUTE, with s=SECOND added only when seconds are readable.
h=2 m=6 s=29
